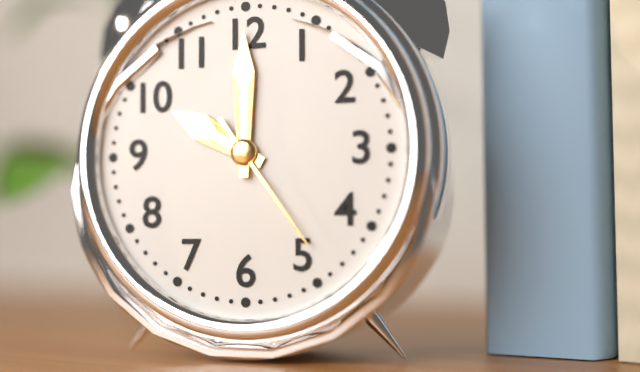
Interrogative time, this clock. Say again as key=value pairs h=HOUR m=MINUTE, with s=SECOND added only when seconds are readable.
h=10 m=0 s=24
